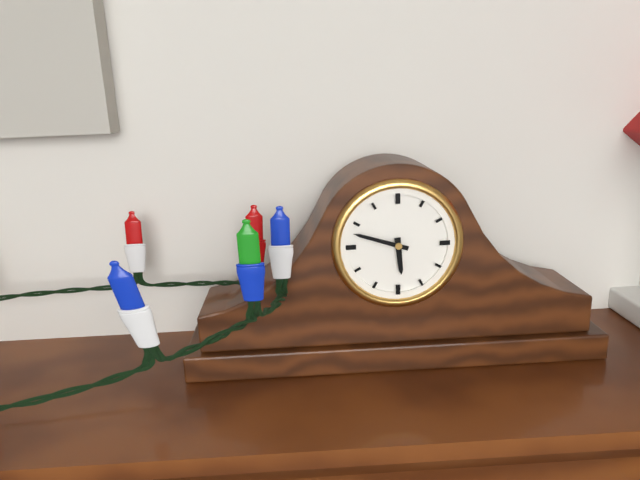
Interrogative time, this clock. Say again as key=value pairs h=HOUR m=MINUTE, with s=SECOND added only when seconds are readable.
h=5 m=48
